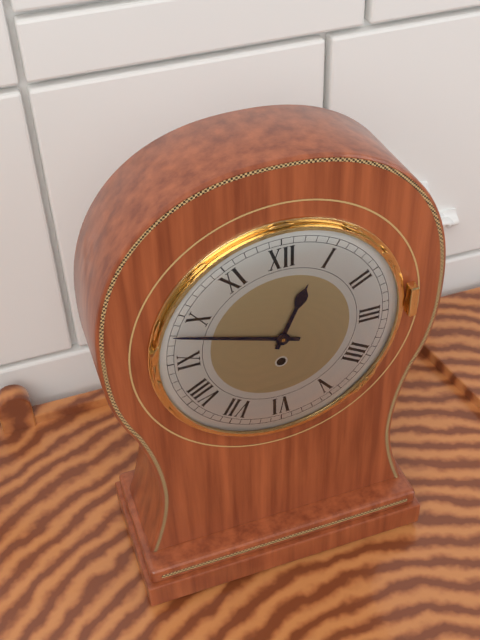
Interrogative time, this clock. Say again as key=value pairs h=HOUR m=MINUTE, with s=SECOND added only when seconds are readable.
h=12 m=48
